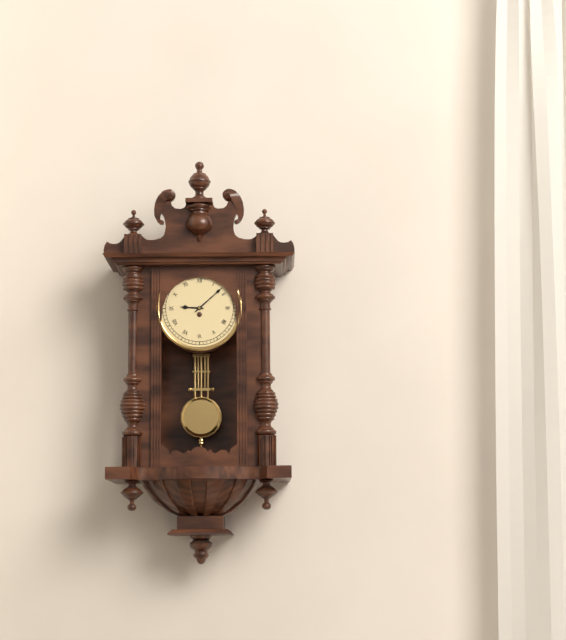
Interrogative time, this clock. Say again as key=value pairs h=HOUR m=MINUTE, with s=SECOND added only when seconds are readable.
h=9 m=8
